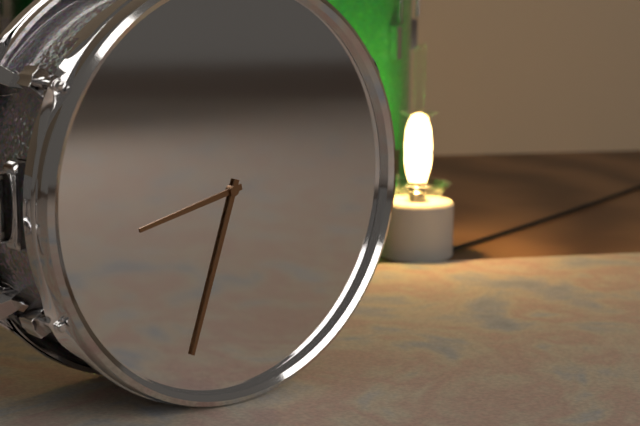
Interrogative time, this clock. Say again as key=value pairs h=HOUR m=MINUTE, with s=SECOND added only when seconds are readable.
h=8 m=33
